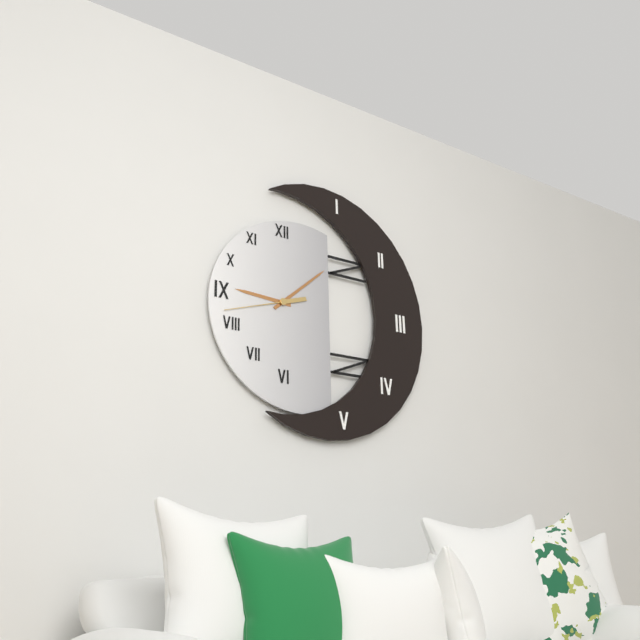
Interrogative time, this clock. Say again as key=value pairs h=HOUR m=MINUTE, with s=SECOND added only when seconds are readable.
h=9 m=8 s=42
